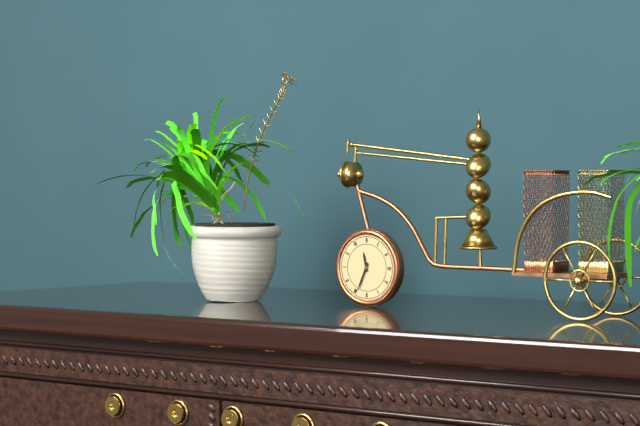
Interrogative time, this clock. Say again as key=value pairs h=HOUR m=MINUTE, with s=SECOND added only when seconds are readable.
h=11 m=34
